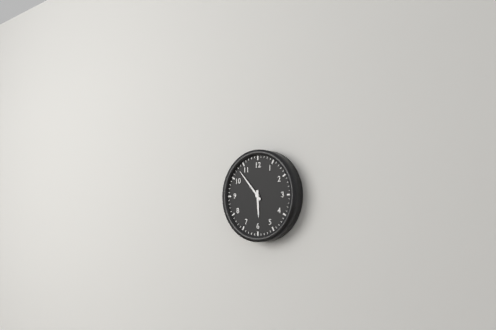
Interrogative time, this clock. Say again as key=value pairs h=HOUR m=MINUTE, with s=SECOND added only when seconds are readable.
h=5 m=53
